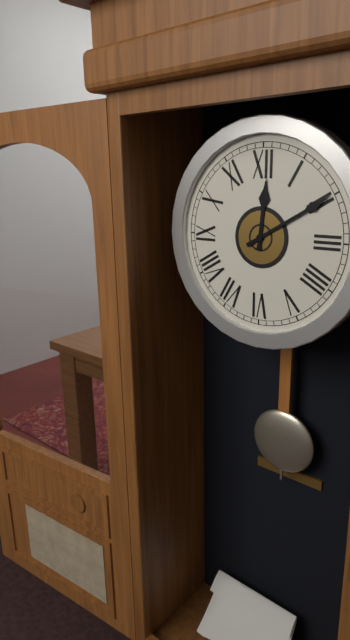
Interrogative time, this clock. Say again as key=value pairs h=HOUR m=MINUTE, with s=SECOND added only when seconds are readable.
h=12 m=10
